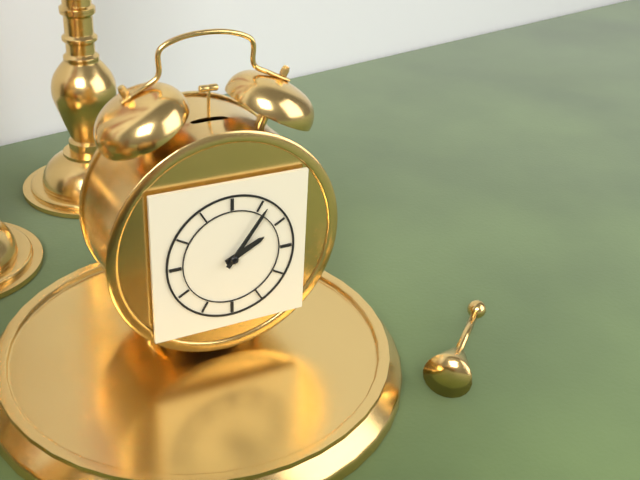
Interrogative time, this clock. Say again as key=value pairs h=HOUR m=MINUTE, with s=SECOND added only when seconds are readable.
h=2 m=6
